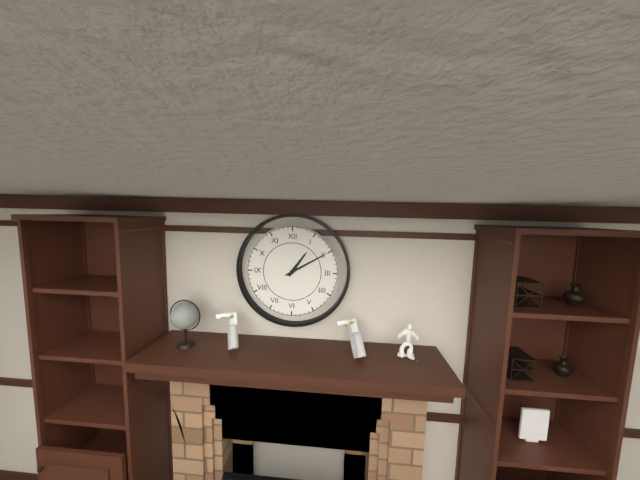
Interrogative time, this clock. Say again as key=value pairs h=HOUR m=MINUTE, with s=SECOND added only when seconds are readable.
h=1 m=10
